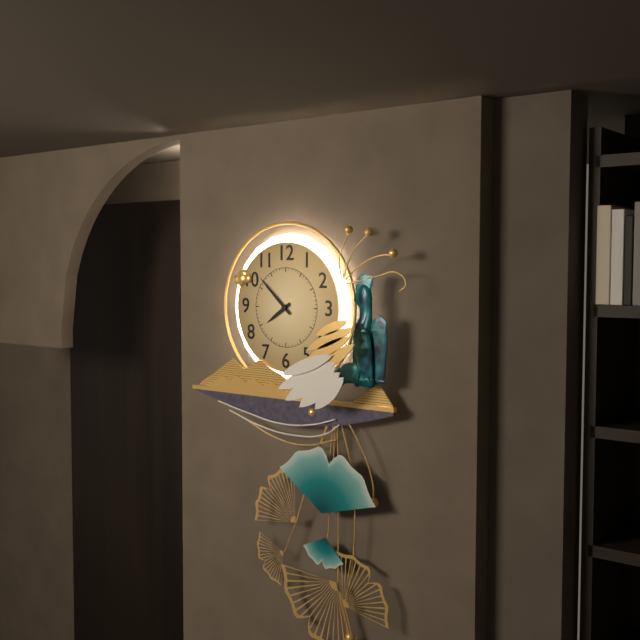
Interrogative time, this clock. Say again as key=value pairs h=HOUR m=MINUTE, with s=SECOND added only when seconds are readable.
h=7 m=52
